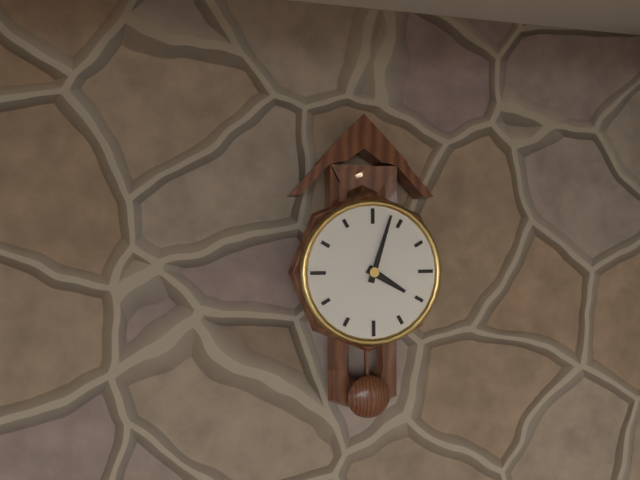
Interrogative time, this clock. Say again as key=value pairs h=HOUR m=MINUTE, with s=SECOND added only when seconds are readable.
h=4 m=3
